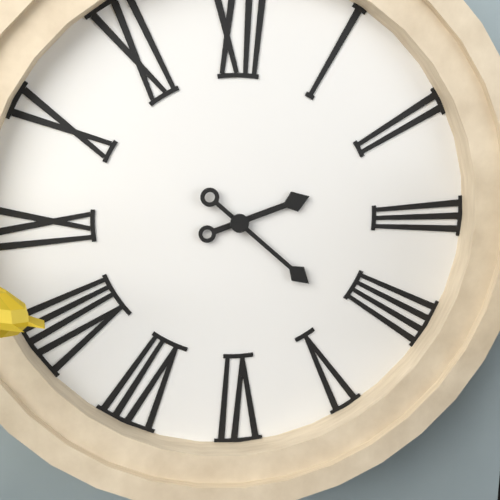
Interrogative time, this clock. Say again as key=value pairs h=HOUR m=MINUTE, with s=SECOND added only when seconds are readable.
h=2 m=22
